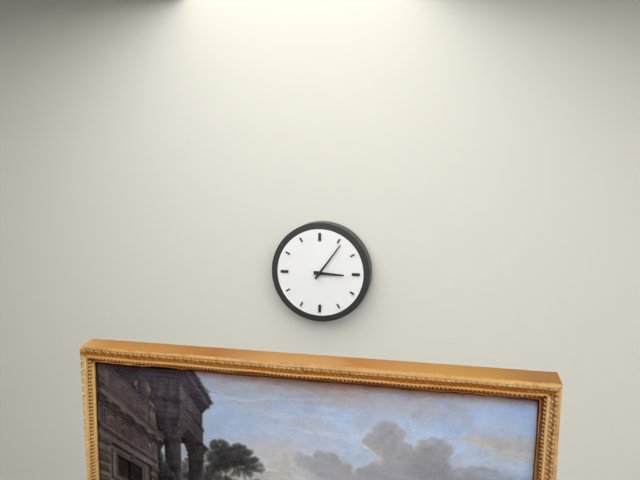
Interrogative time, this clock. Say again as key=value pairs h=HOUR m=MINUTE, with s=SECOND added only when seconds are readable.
h=3 m=6
